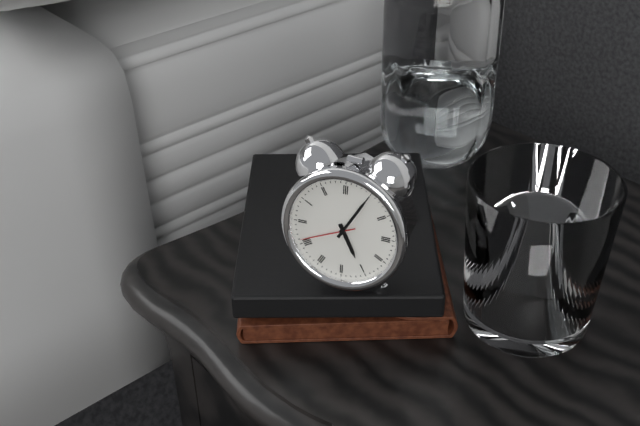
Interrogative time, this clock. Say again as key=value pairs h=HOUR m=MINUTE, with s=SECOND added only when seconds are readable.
h=5 m=5 s=41
